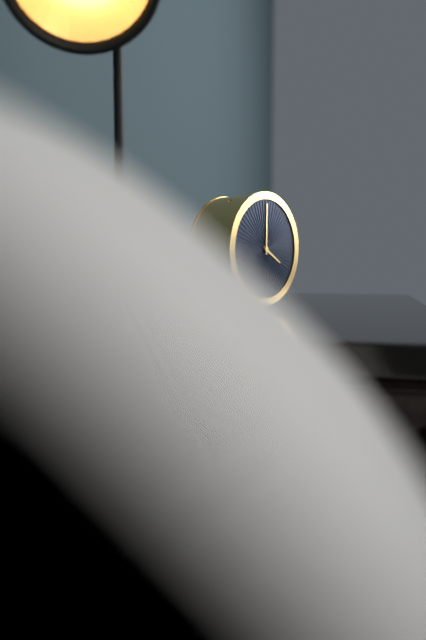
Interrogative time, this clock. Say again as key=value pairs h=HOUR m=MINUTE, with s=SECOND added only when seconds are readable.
h=4 m=0
